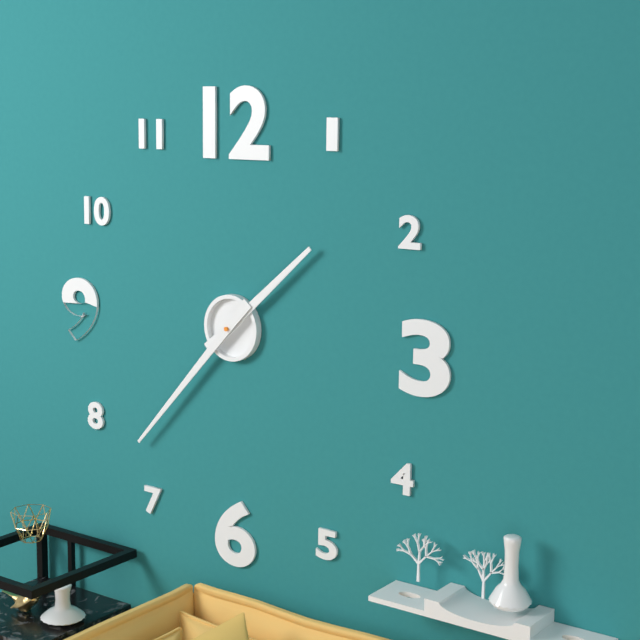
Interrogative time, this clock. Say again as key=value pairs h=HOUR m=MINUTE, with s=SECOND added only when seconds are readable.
h=1 m=37
